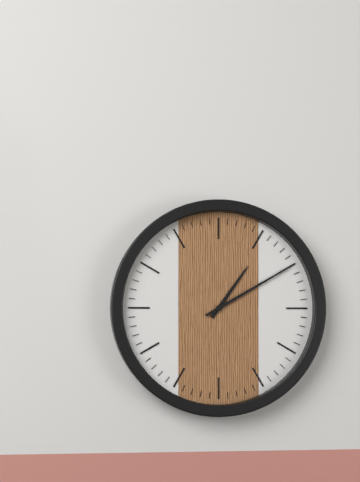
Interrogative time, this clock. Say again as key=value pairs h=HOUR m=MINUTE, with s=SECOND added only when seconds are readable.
h=1 m=10
